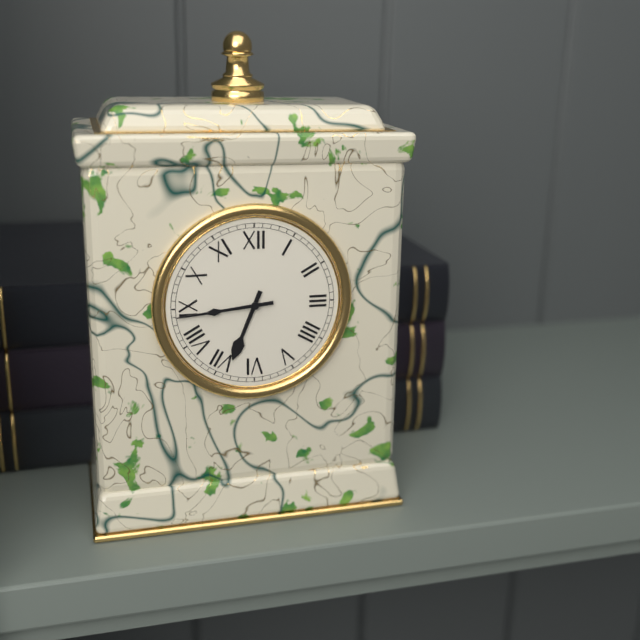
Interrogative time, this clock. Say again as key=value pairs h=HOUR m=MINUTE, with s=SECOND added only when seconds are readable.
h=6 m=44
